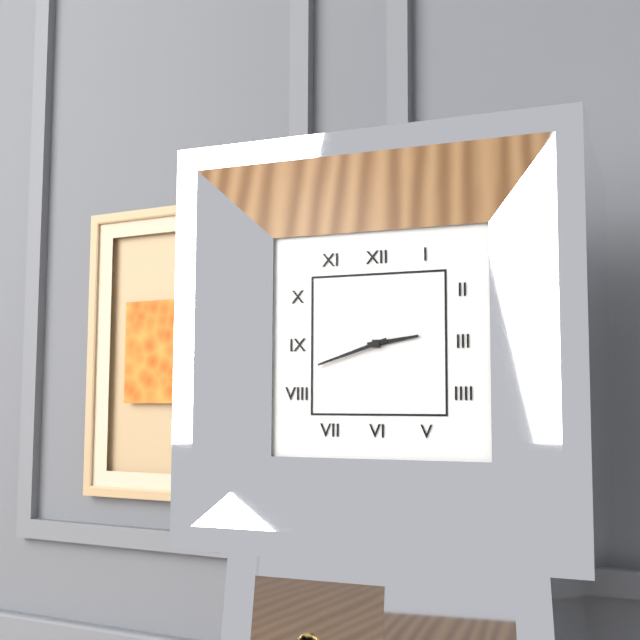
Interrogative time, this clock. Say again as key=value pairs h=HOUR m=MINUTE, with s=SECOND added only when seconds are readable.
h=2 m=42
